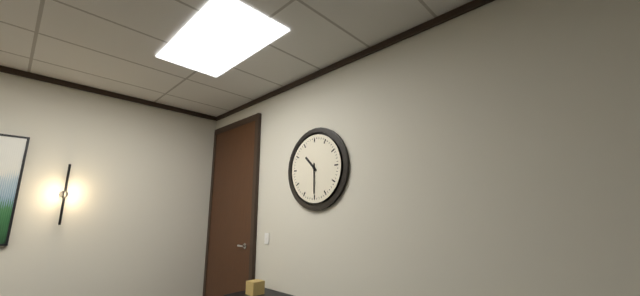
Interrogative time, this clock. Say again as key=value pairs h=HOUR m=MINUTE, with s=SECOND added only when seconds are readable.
h=10 m=30
